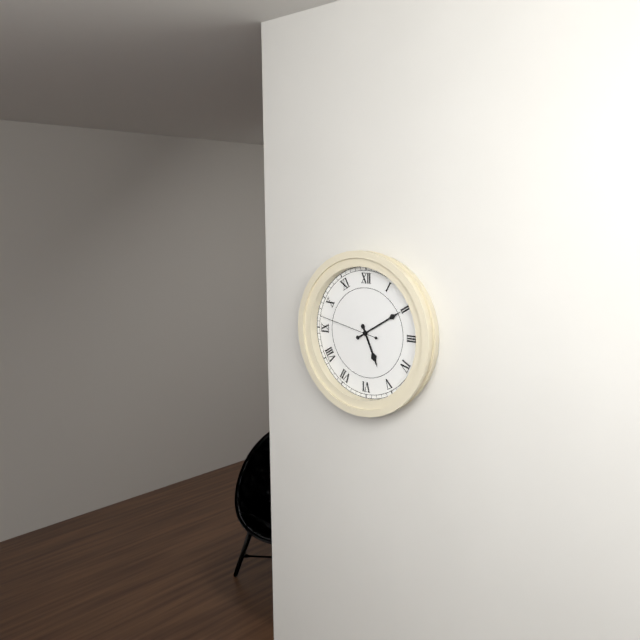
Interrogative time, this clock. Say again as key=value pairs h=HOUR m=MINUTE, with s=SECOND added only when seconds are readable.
h=5 m=10 s=47
